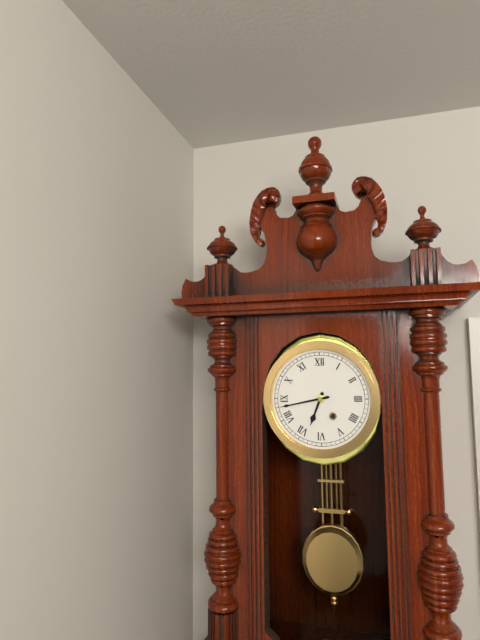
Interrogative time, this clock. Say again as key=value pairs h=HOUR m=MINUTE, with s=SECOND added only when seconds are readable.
h=6 m=43
